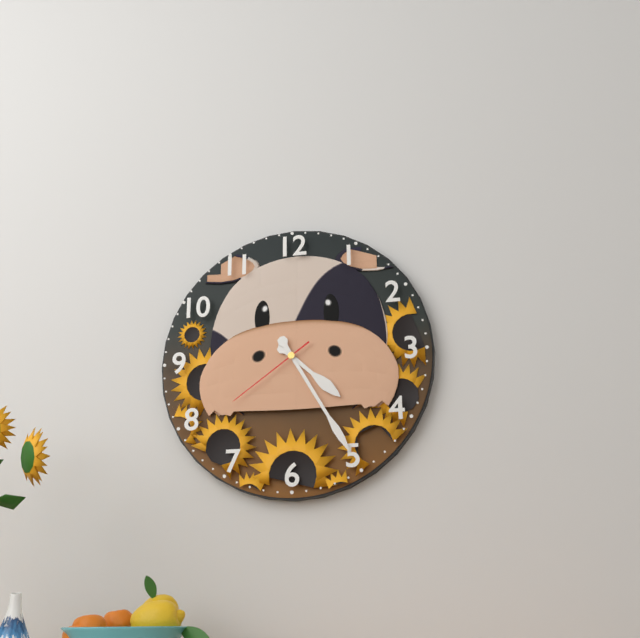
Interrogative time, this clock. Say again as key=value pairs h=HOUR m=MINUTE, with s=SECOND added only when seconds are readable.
h=4 m=25 s=39
